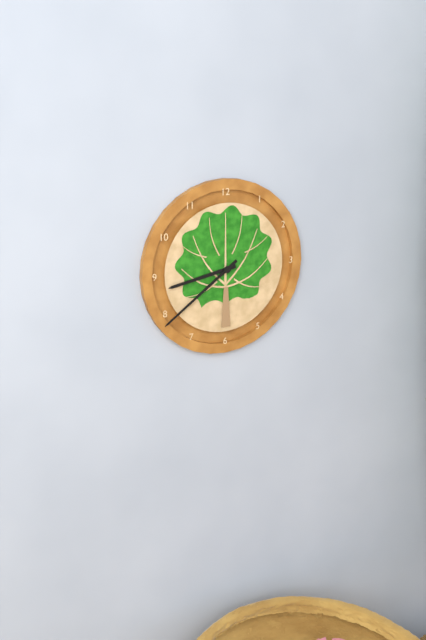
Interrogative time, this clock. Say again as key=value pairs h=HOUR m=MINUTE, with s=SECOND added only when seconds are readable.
h=8 m=39
